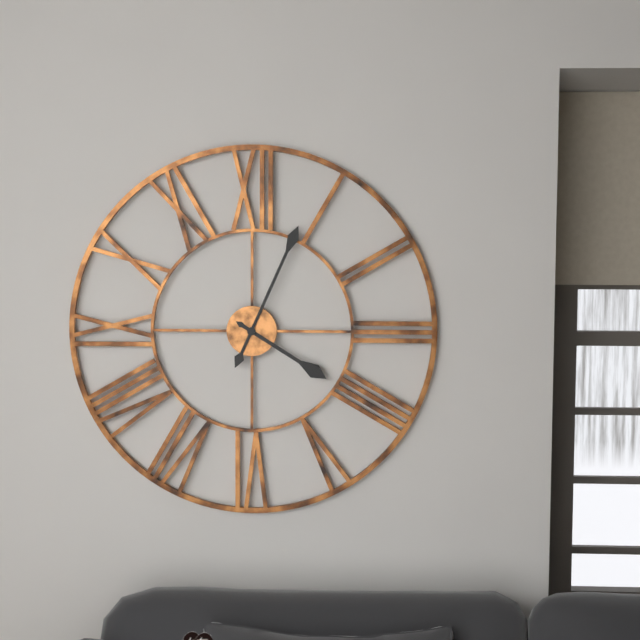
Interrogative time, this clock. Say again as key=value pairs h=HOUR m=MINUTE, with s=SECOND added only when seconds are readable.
h=4 m=4
